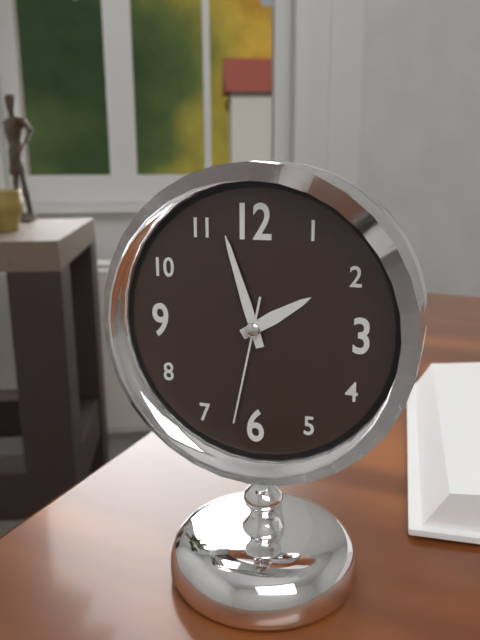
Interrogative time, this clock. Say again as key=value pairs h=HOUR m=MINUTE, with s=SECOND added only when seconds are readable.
h=1 m=57 s=32
